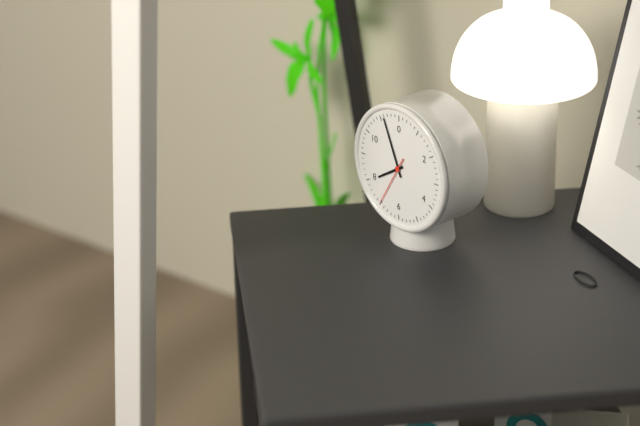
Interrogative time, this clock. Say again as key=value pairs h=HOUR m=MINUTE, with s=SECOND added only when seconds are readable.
h=7 m=56
